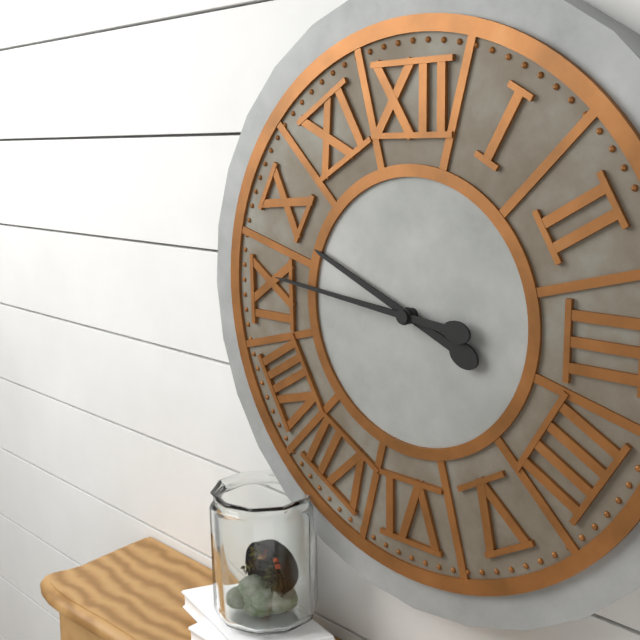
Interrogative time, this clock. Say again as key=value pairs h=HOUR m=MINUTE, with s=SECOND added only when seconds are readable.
h=9 m=46
